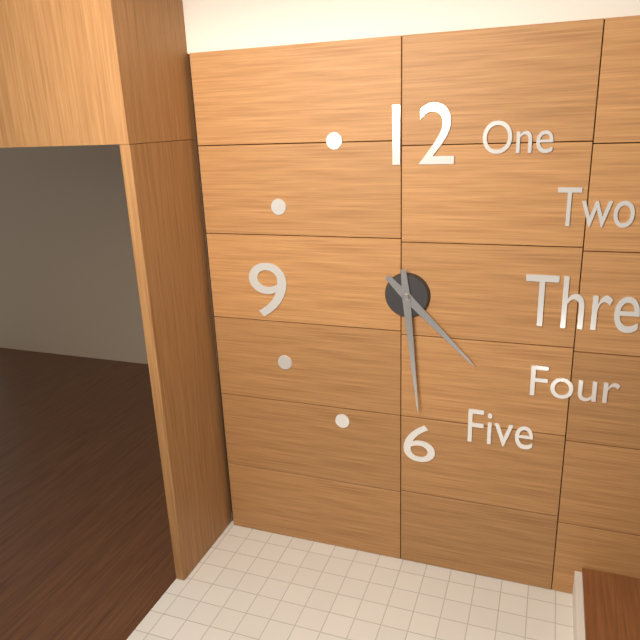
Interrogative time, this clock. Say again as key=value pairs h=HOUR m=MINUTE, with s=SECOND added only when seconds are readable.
h=4 m=29
